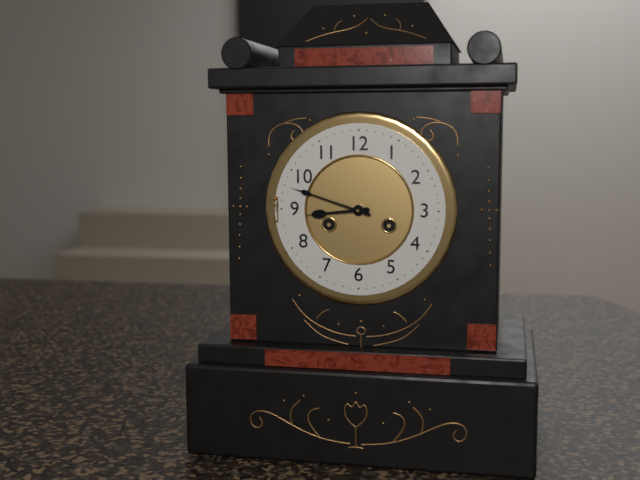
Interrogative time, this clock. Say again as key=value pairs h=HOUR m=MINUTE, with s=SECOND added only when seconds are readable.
h=8 m=48
